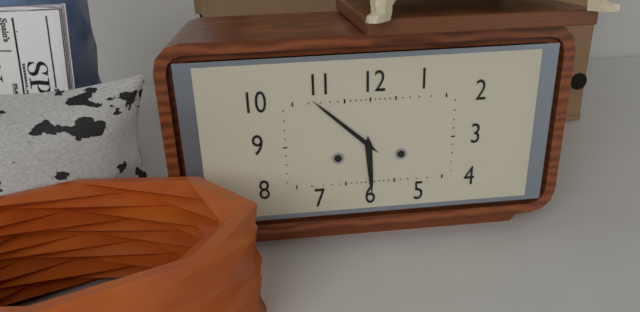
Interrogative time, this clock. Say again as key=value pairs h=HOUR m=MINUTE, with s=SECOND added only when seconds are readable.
h=5 m=52
